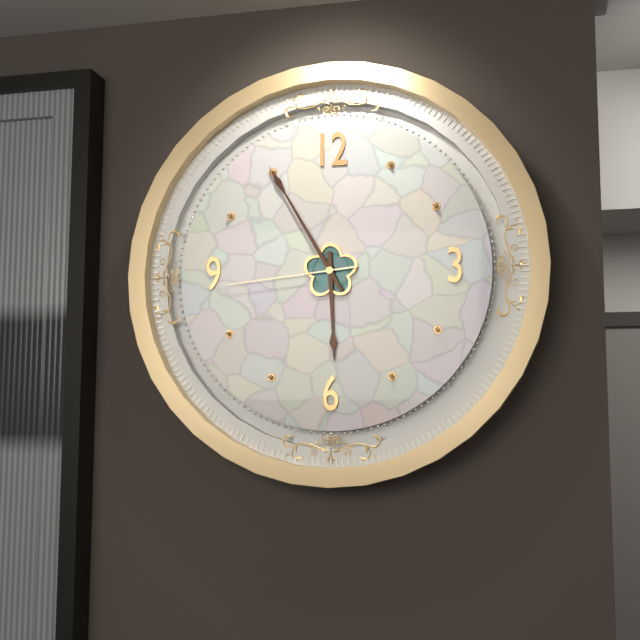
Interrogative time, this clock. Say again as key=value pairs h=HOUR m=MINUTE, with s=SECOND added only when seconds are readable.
h=5 m=55 s=44
